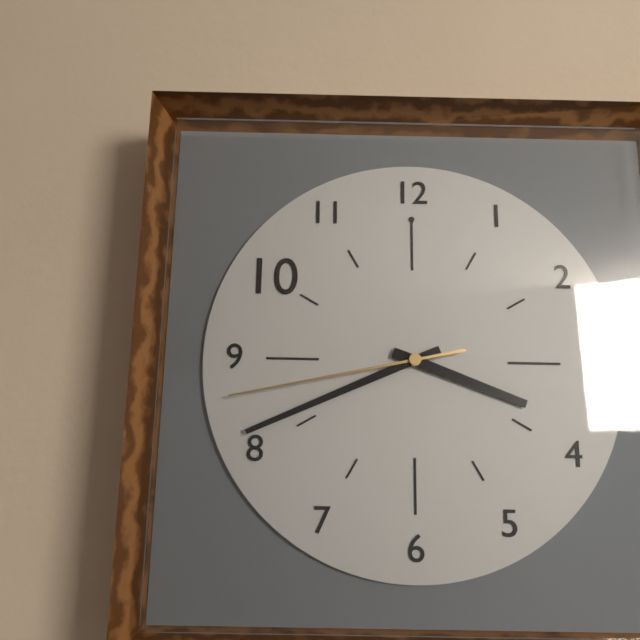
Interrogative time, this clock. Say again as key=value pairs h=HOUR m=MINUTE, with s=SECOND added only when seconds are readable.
h=3 m=41 s=43
